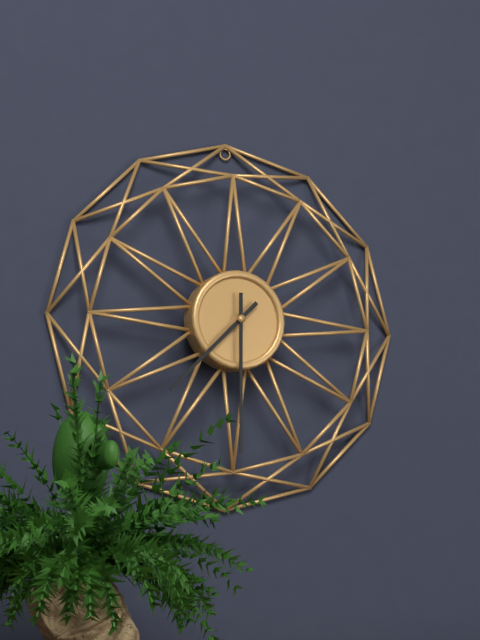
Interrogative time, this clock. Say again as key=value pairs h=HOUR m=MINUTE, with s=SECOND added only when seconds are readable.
h=7 m=30
